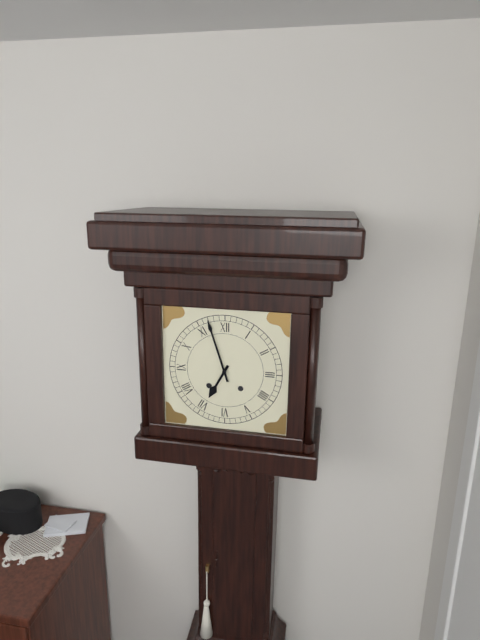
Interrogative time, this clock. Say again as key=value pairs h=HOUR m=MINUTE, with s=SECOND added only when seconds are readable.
h=6 m=57
